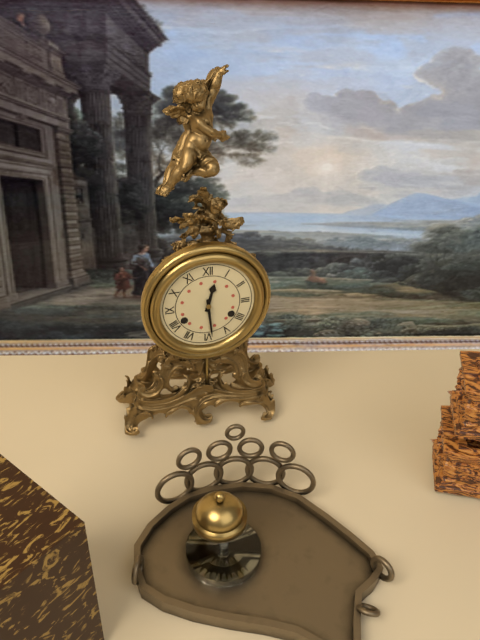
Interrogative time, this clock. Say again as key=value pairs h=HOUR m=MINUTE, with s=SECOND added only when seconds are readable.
h=12 m=29
